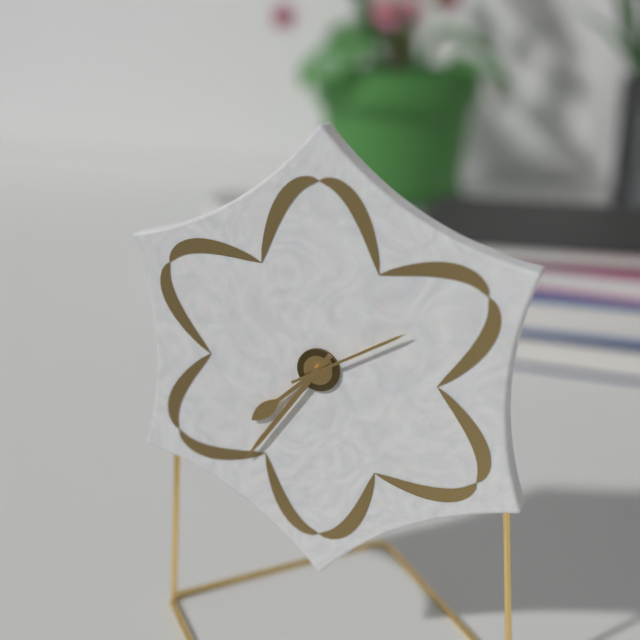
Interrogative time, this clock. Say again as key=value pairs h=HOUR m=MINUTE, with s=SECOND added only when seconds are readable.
h=7 m=36 s=10
